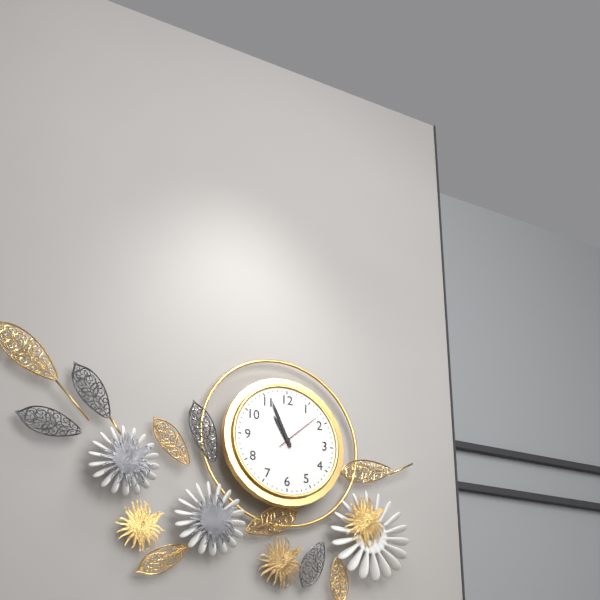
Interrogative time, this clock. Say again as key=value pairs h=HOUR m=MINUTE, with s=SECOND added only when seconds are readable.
h=10 m=56 s=8
